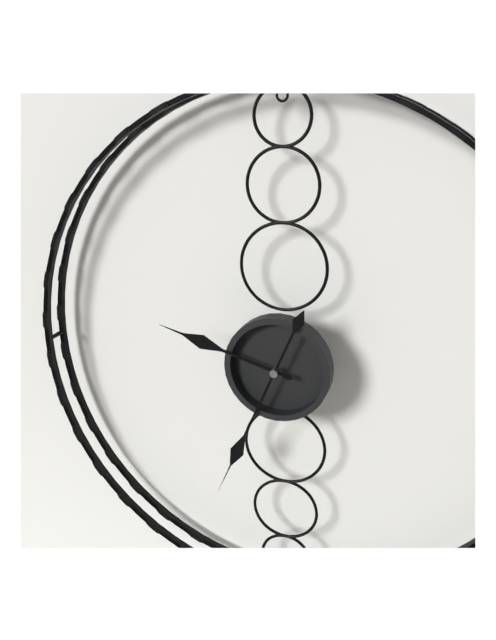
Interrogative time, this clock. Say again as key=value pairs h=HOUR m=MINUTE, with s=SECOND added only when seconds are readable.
h=9 m=34
